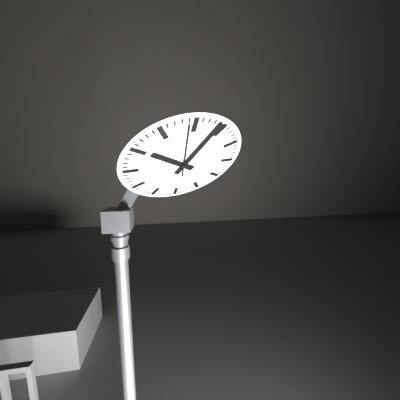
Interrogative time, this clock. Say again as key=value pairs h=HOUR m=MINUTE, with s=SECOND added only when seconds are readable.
h=10 m=4 s=59
